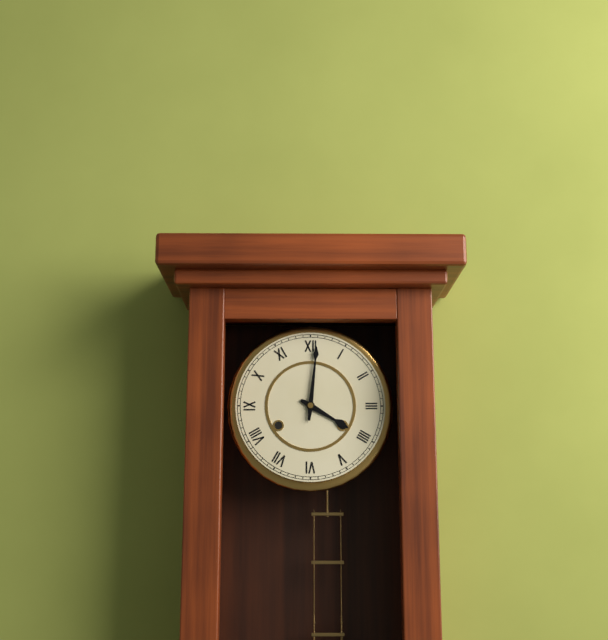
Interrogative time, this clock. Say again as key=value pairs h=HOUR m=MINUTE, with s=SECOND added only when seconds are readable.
h=4 m=1
